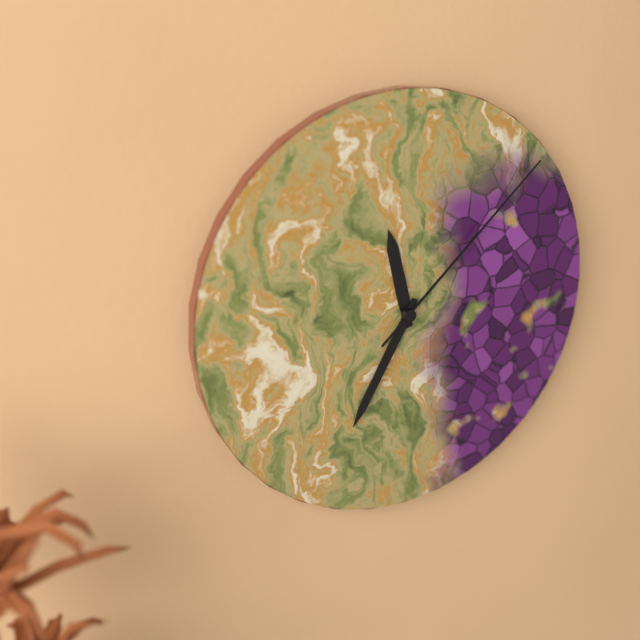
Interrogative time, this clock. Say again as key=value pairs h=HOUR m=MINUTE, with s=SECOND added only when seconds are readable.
h=11 m=35 s=8
